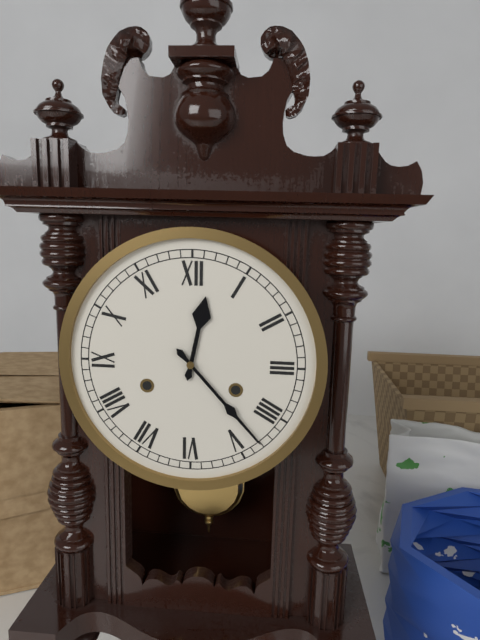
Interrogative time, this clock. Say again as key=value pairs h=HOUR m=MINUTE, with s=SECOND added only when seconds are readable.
h=12 m=23
